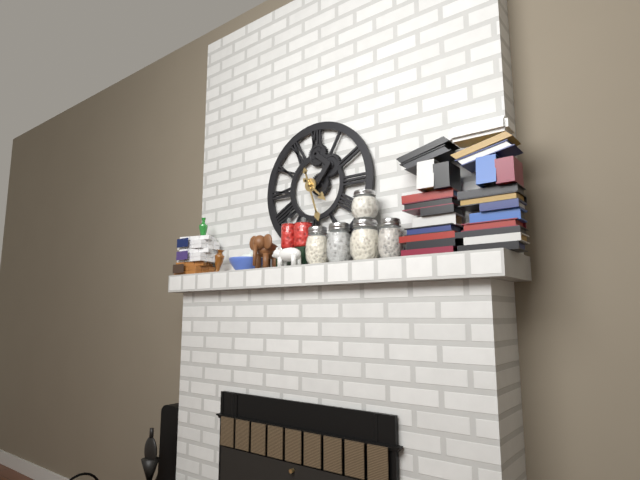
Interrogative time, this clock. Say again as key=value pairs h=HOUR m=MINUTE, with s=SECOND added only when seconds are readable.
h=4 m=27
